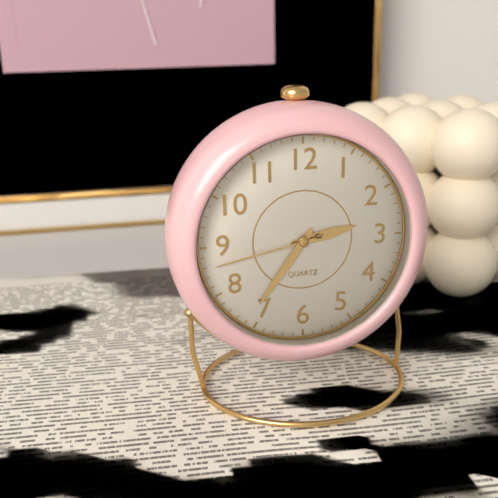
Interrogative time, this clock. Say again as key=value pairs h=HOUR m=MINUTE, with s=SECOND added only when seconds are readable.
h=2 m=36 s=43
